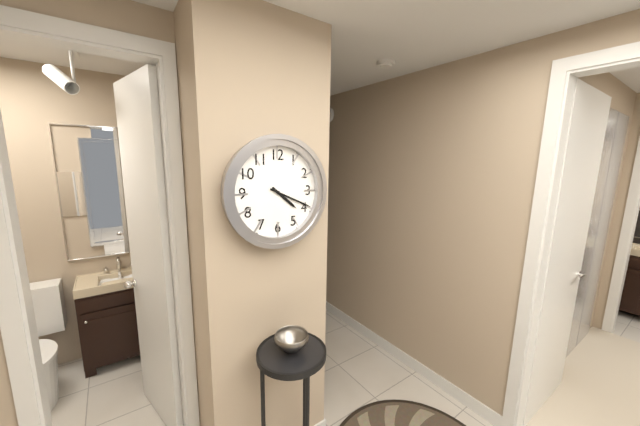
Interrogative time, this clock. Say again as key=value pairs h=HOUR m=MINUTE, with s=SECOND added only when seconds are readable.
h=4 m=19
